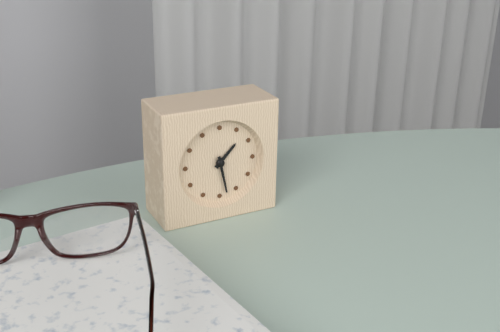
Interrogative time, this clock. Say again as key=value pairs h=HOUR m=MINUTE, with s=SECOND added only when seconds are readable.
h=1 m=28
